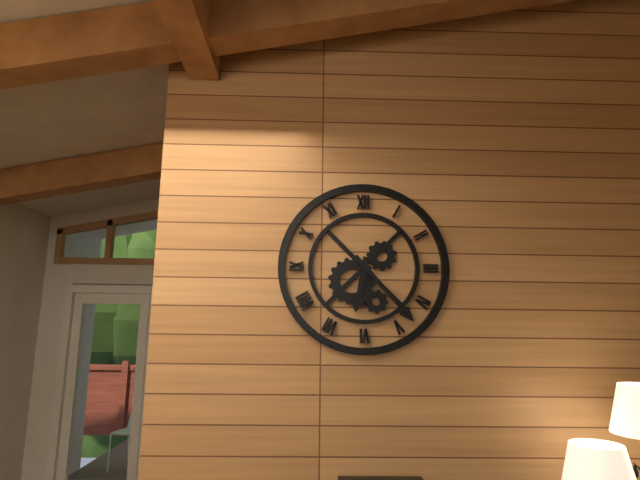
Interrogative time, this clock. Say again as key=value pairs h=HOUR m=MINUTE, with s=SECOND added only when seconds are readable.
h=6 m=23
